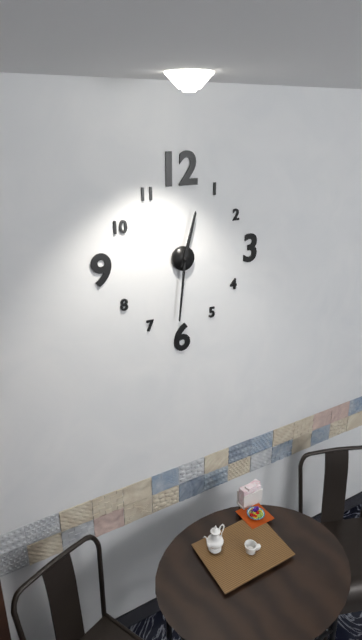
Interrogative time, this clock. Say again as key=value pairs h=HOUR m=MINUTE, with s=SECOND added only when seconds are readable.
h=12 m=31
